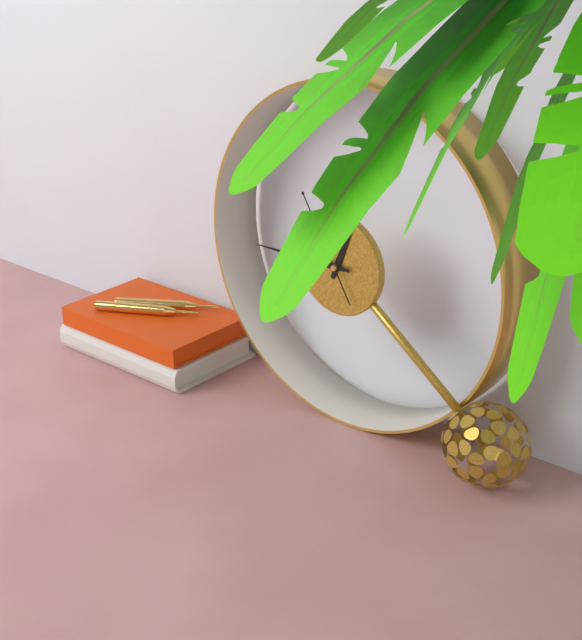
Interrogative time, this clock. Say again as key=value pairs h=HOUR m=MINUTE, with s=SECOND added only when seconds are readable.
h=12 m=45 s=55
